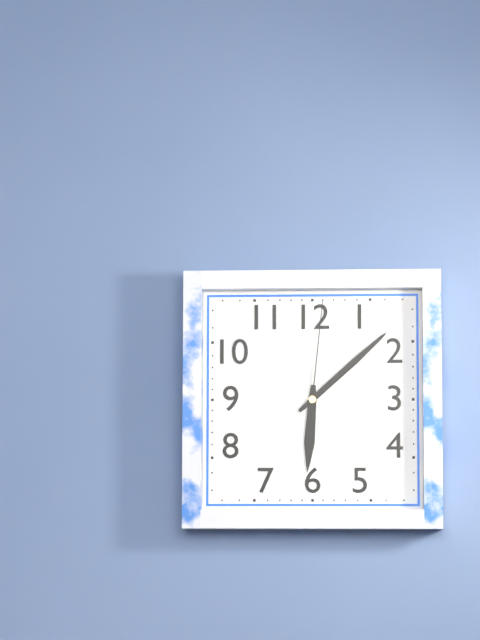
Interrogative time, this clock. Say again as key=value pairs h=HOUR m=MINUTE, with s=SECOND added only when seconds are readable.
h=6 m=8 s=1
